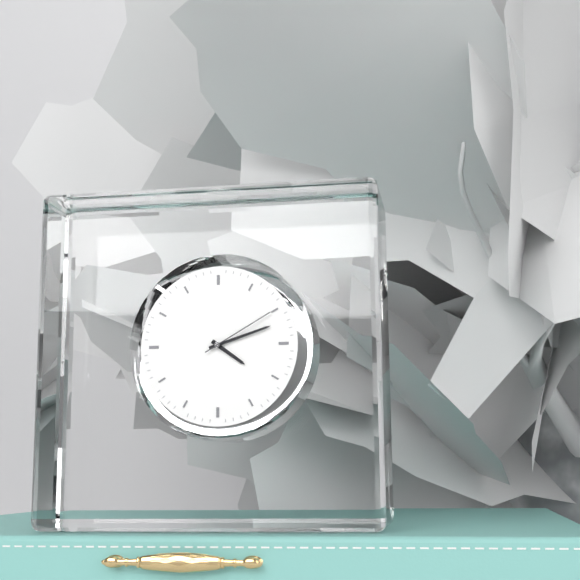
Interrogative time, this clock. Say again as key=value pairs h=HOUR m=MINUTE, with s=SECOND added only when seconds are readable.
h=4 m=12 s=10
